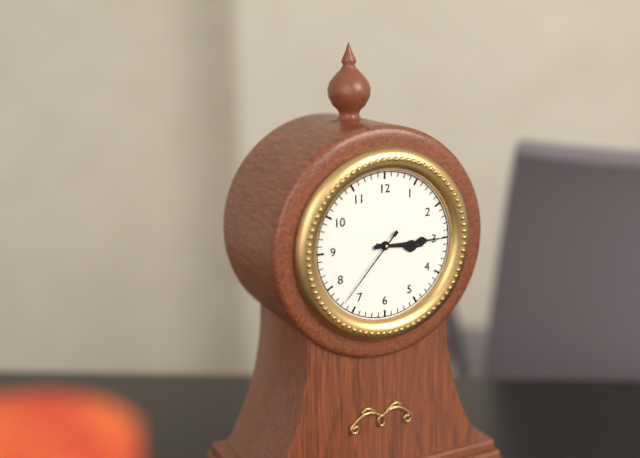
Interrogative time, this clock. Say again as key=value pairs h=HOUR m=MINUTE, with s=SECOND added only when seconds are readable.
h=3 m=15 s=37
